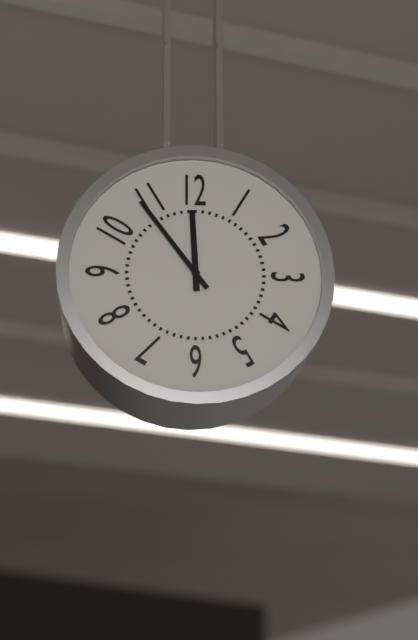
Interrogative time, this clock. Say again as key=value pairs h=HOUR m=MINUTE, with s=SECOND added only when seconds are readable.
h=11 m=54
